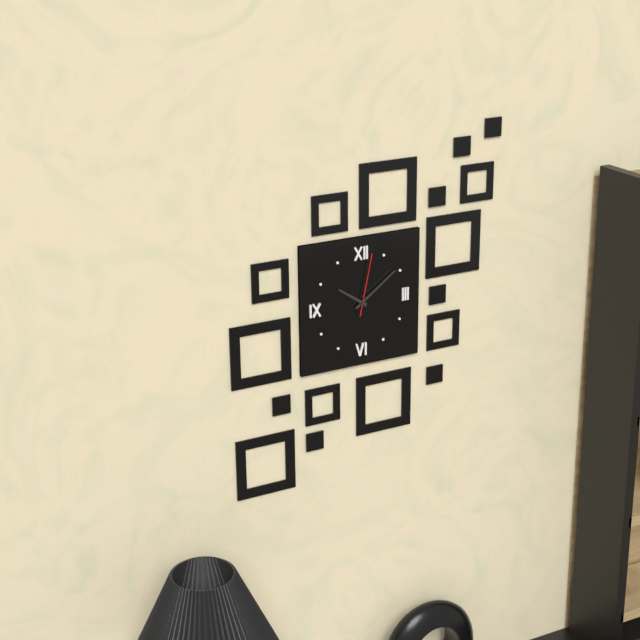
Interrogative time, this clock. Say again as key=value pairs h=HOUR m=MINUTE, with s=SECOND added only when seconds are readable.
h=10 m=9 s=2
